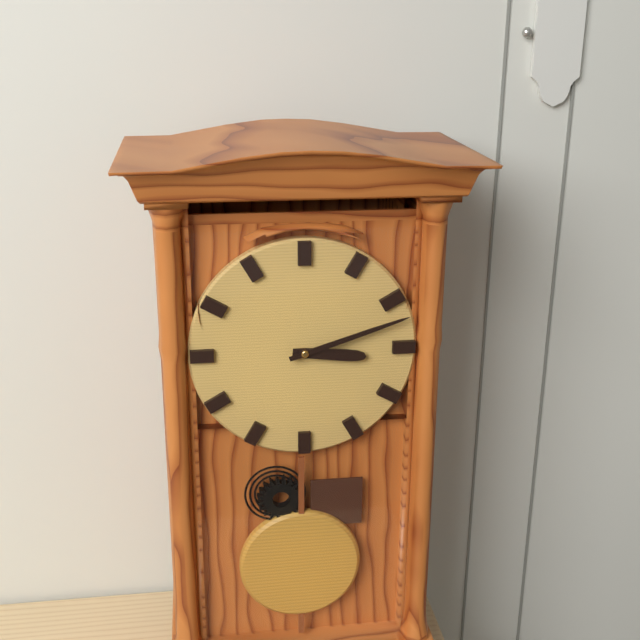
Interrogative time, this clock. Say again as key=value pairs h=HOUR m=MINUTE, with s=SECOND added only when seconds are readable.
h=3 m=12
